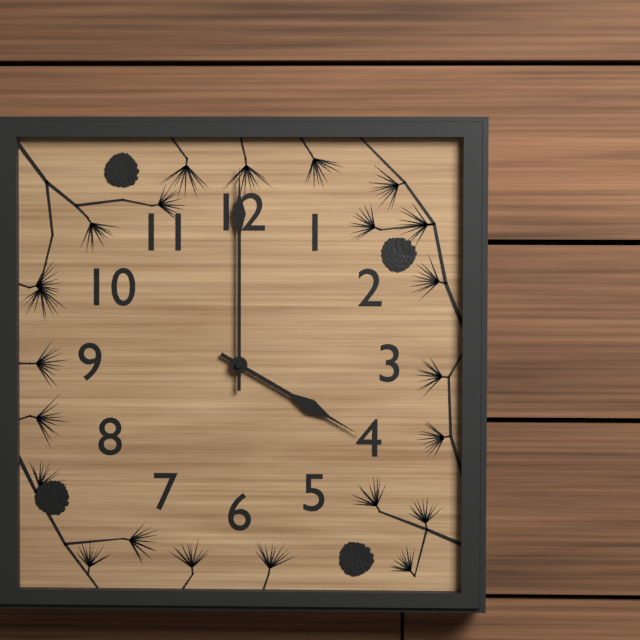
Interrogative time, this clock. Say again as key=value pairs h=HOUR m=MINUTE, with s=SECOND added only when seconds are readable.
h=4 m=0
